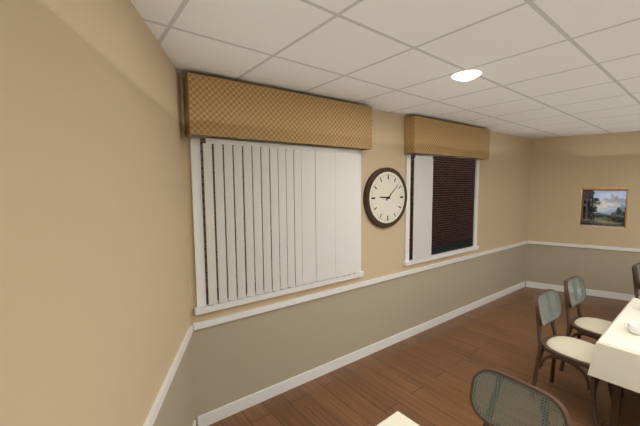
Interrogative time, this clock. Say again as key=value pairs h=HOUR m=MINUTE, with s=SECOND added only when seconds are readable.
h=9 m=8
